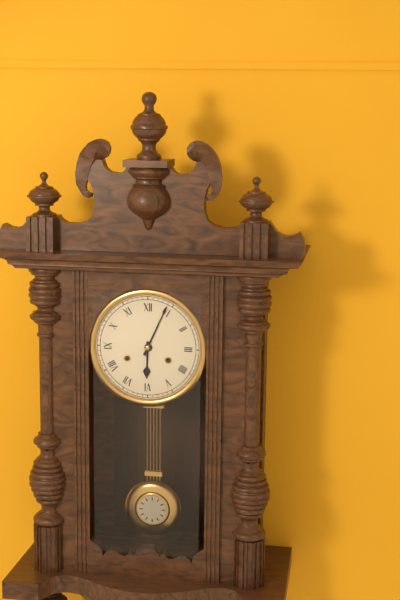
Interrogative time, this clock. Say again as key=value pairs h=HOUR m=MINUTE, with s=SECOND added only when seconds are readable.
h=6 m=4
